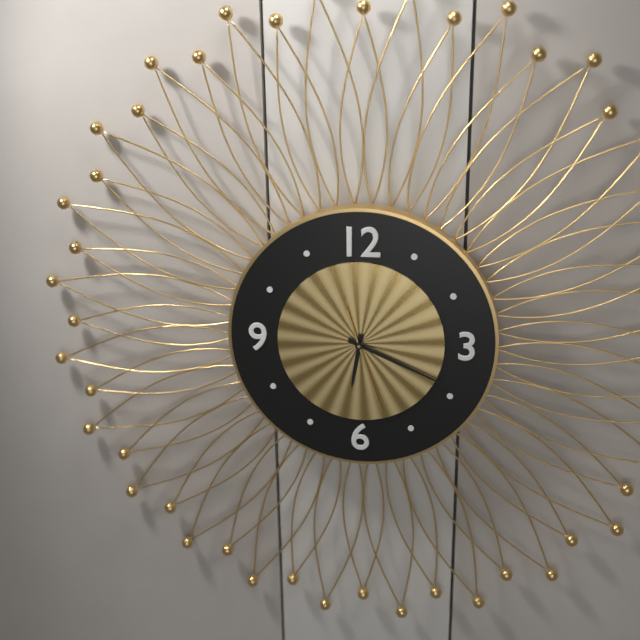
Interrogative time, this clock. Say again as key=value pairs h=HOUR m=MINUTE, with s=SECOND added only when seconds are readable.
h=6 m=19 s=27
